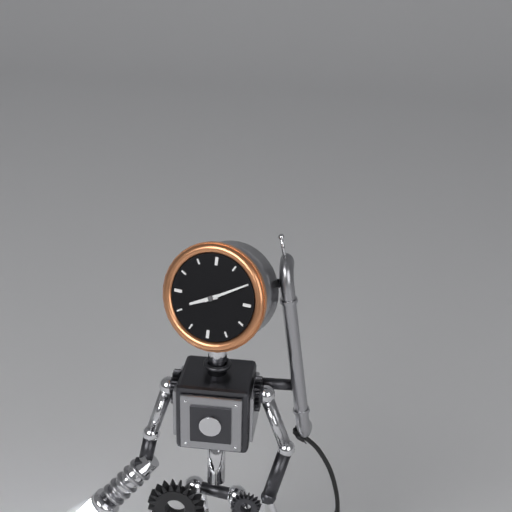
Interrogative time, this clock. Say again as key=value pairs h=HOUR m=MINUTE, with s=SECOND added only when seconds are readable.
h=8 m=10
